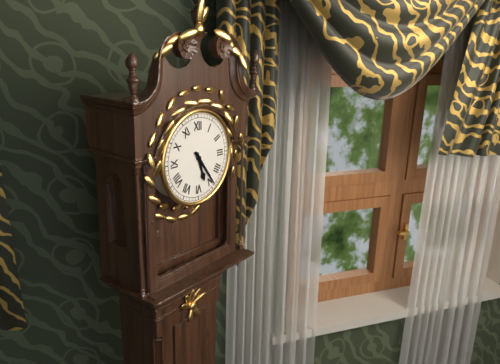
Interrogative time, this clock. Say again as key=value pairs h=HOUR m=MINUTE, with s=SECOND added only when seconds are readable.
h=5 m=24
